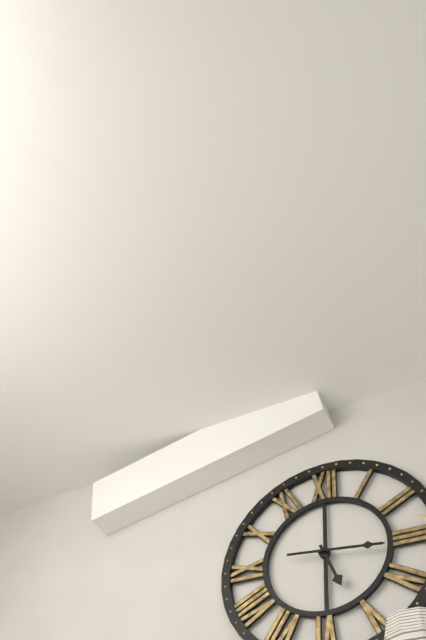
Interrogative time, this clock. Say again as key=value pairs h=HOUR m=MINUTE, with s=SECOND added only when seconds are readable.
h=5 m=16
